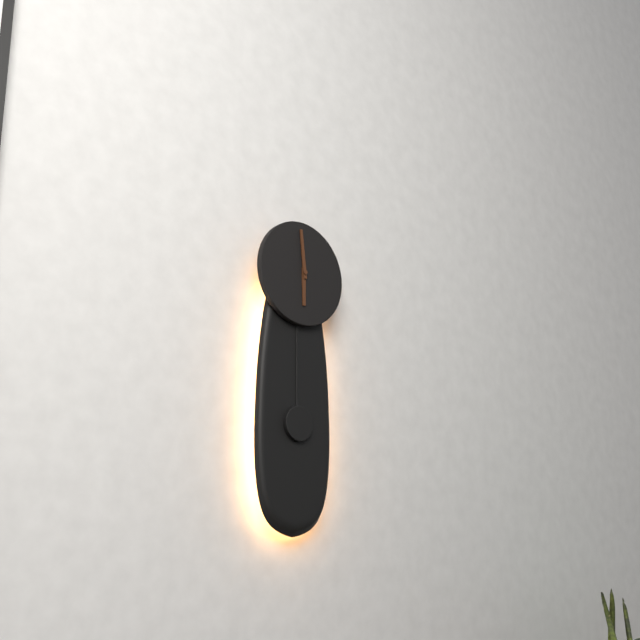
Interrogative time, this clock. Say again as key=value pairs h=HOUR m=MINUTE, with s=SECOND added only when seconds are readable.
h=5 m=59
